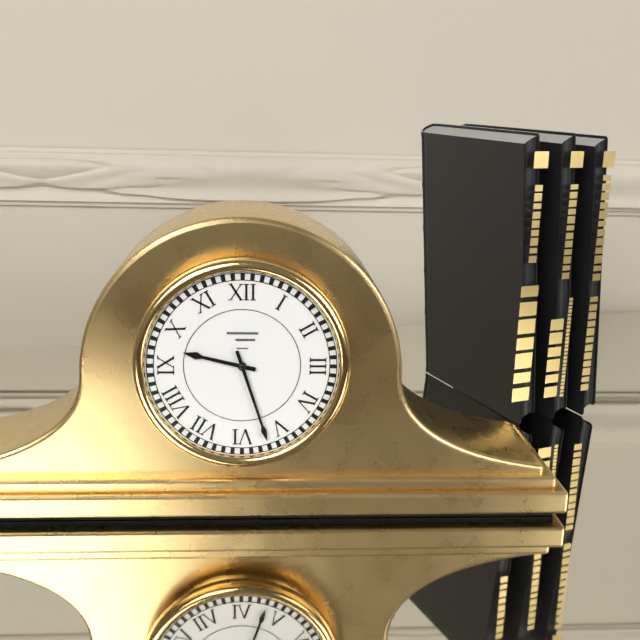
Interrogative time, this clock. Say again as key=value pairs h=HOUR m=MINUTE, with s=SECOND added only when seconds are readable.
h=9 m=27
